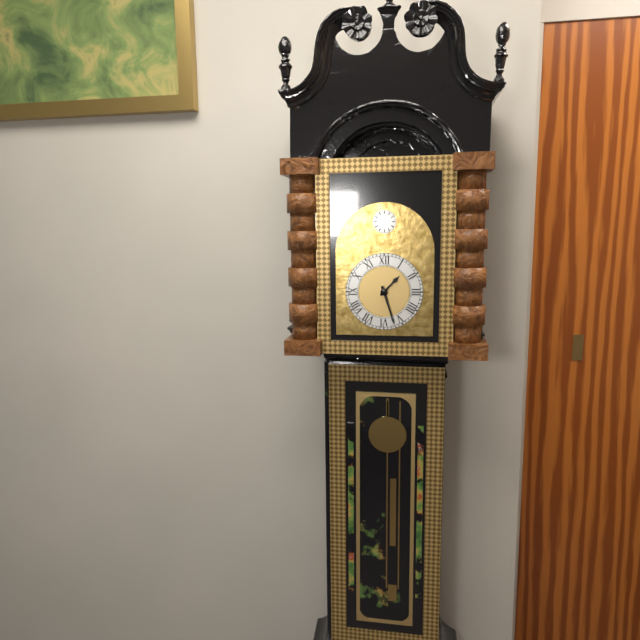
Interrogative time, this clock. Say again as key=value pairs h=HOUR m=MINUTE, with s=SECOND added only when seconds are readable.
h=1 m=27
